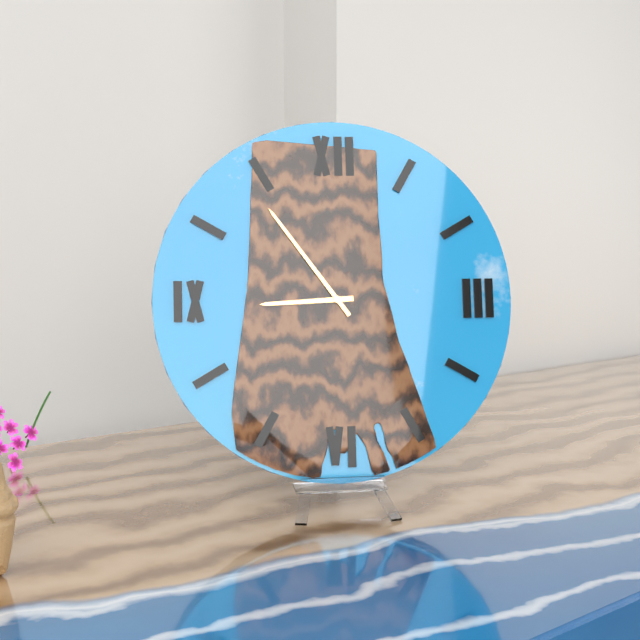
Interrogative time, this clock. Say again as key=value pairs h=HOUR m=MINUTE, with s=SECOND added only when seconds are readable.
h=8 m=54
